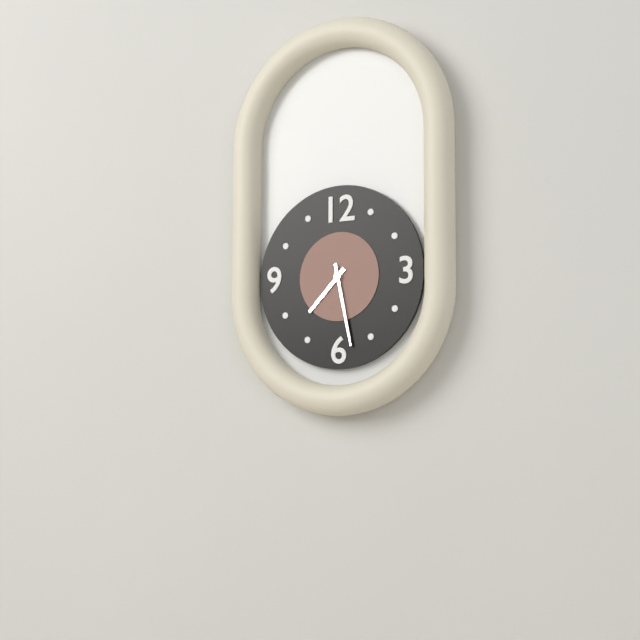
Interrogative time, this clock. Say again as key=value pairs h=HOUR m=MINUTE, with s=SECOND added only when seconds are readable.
h=7 m=28
